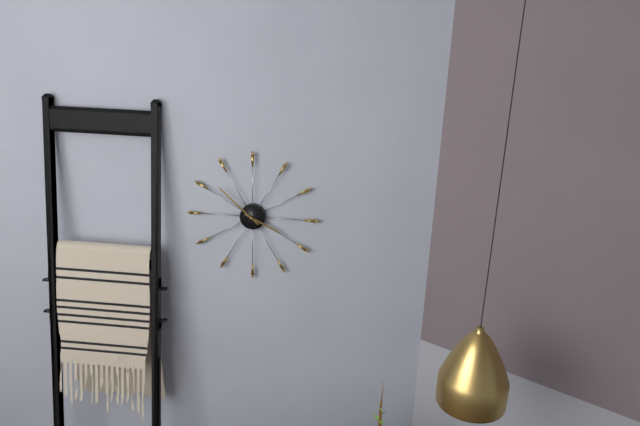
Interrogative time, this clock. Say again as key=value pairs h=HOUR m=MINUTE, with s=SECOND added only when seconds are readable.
h=3 m=52
